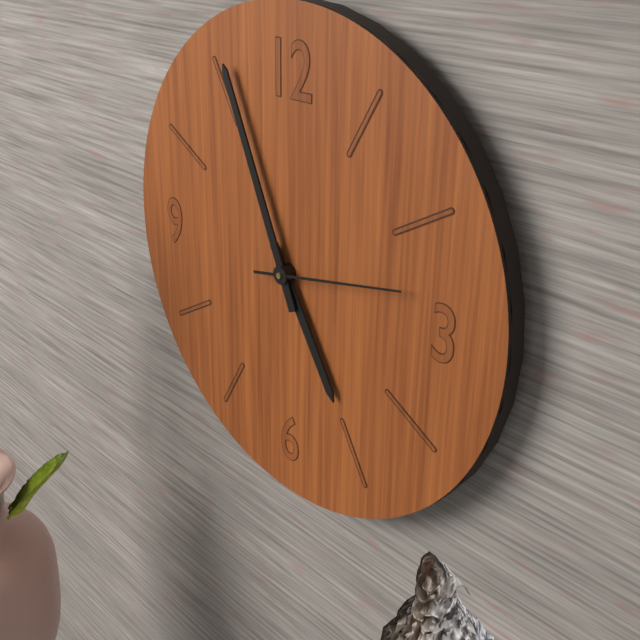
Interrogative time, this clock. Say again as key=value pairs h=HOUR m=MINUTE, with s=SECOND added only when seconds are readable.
h=4 m=56 s=13
